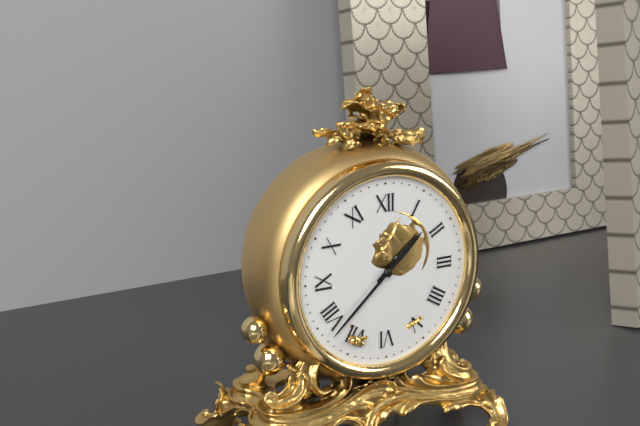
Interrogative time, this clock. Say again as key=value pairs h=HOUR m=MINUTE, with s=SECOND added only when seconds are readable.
h=1 m=38
